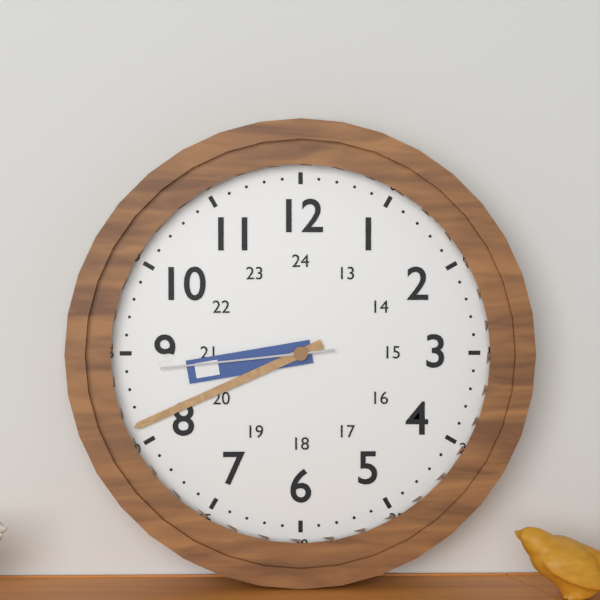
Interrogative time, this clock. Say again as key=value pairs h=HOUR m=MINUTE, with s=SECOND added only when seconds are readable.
h=8 m=41 s=44
